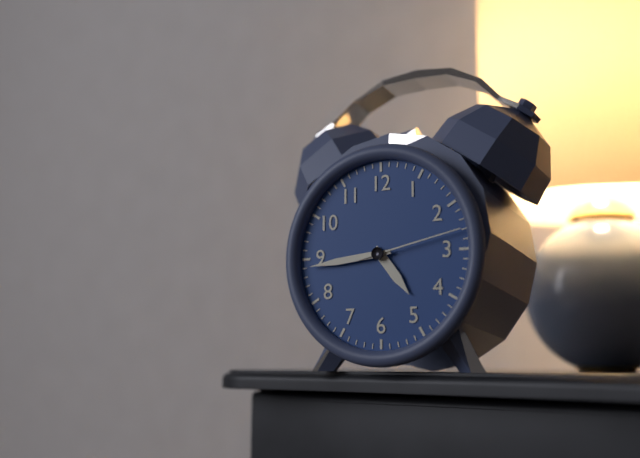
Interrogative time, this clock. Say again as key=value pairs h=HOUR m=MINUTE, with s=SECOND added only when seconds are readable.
h=4 m=44 s=13
